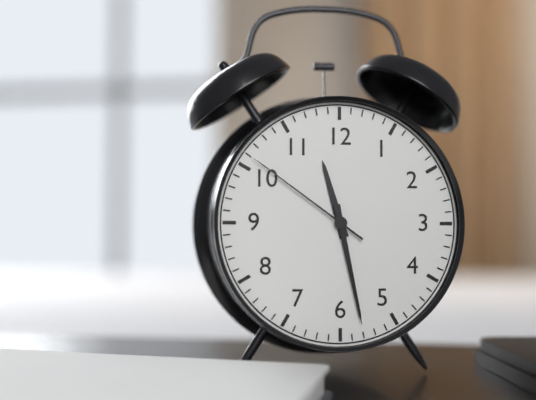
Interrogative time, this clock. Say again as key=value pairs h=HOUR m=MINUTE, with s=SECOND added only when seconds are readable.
h=11 m=28 s=51
